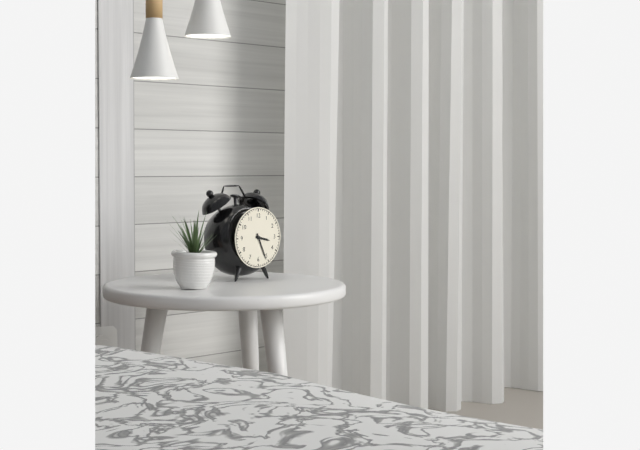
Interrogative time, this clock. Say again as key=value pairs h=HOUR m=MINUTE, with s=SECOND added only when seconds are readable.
h=3 m=26
